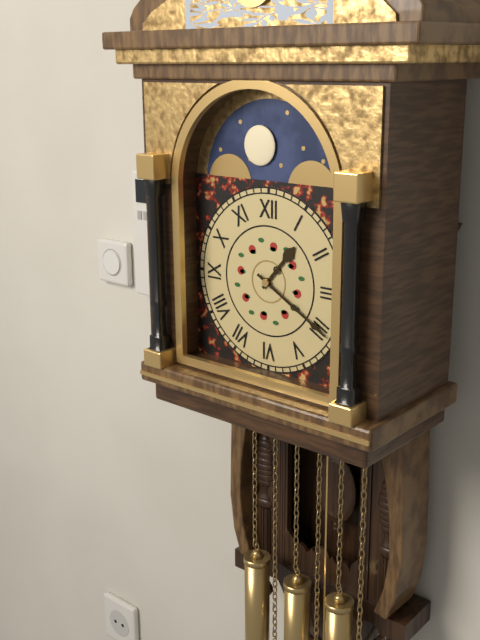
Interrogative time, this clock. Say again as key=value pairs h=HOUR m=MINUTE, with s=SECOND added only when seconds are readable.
h=1 m=20
